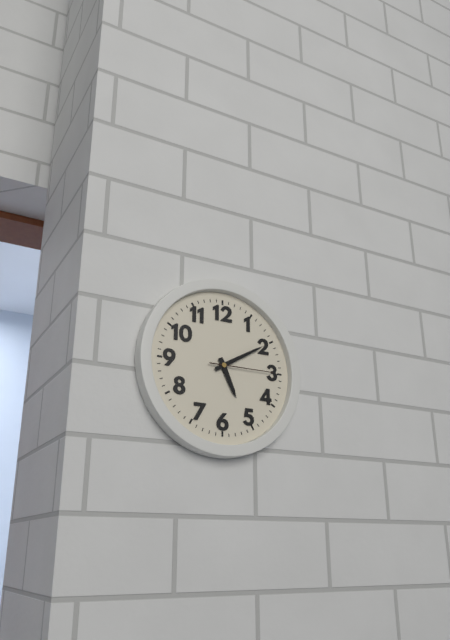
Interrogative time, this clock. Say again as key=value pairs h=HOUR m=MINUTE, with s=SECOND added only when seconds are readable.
h=5 m=10 s=15
